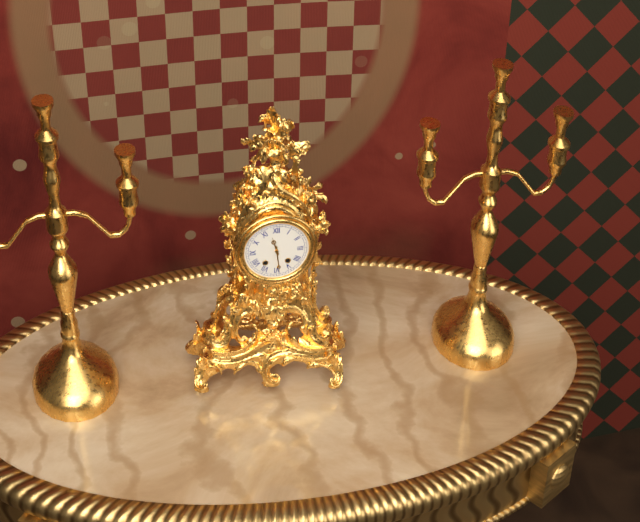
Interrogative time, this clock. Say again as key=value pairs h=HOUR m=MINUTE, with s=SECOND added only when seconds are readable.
h=11 m=29
